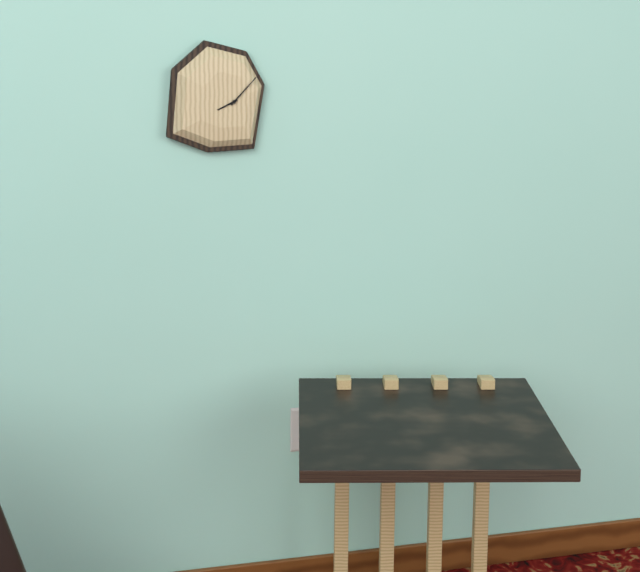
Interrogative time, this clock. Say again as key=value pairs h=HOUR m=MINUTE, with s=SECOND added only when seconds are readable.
h=8 m=7
